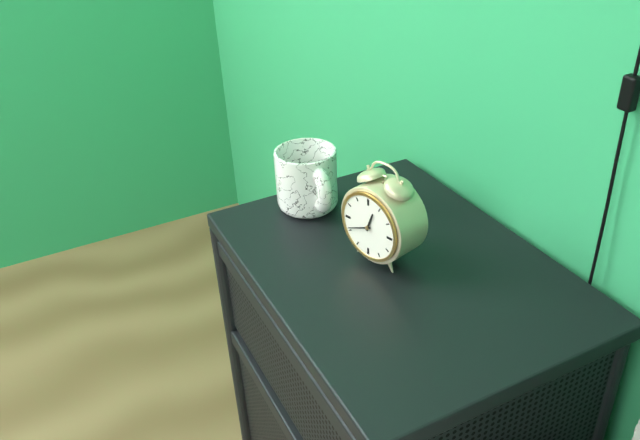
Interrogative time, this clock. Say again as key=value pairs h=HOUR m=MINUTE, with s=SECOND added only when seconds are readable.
h=12 m=41
